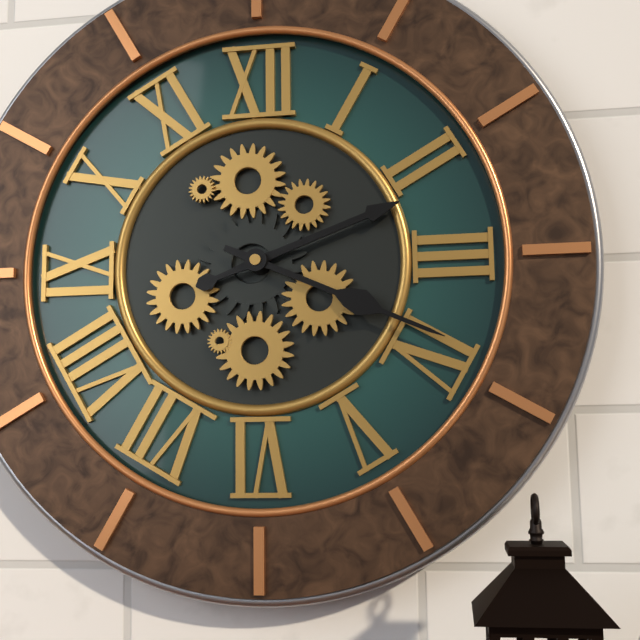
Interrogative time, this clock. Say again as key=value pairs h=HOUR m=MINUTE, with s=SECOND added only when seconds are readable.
h=2 m=19
